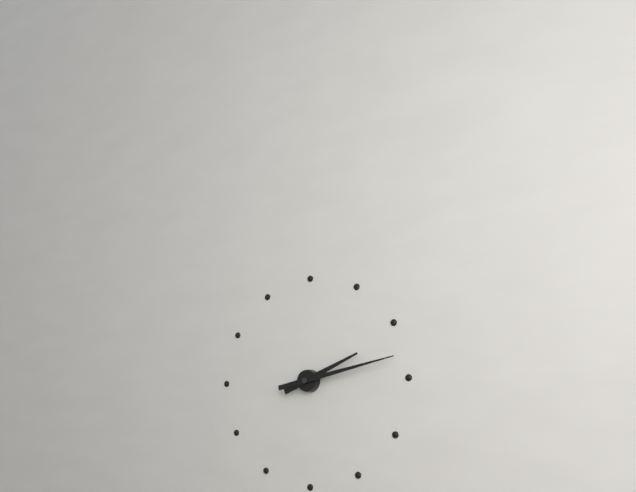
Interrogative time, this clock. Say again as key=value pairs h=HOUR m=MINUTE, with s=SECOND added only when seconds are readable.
h=2 m=13
